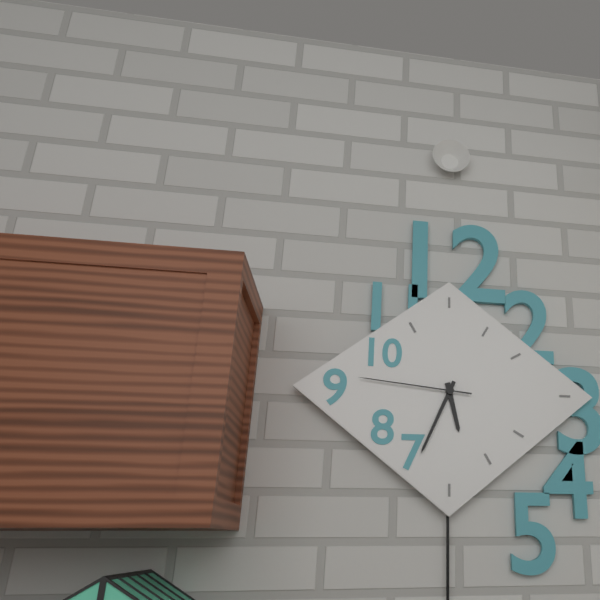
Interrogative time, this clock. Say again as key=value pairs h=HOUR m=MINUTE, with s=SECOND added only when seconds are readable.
h=5 m=34 s=46
